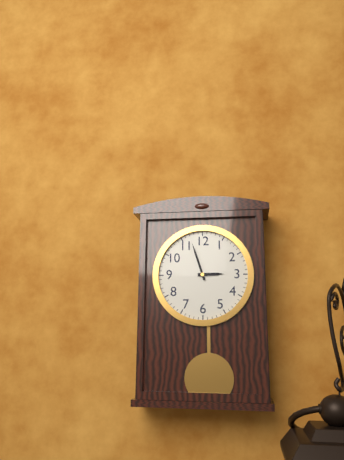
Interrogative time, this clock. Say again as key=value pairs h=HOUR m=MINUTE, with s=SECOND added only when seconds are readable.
h=2 m=57
